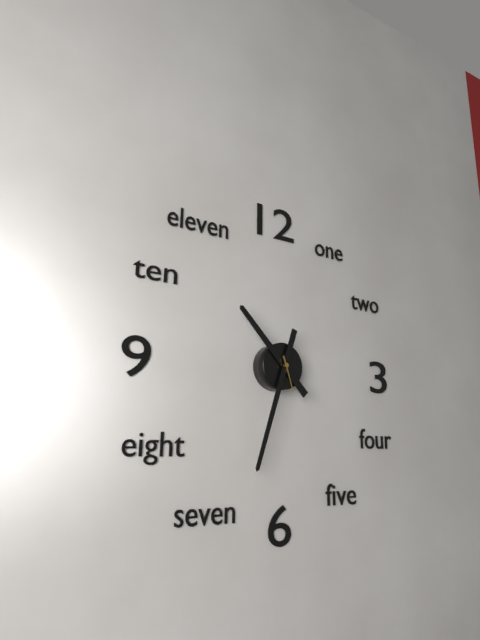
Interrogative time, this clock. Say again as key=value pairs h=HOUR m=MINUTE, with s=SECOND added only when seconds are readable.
h=10 m=33
